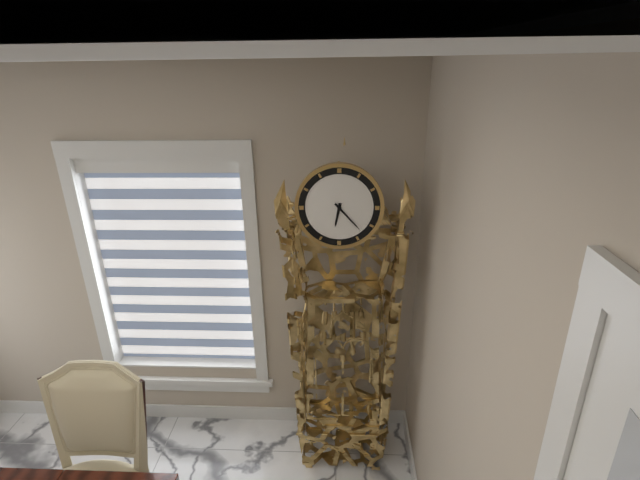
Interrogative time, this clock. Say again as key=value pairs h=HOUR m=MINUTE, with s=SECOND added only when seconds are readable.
h=6 m=23
